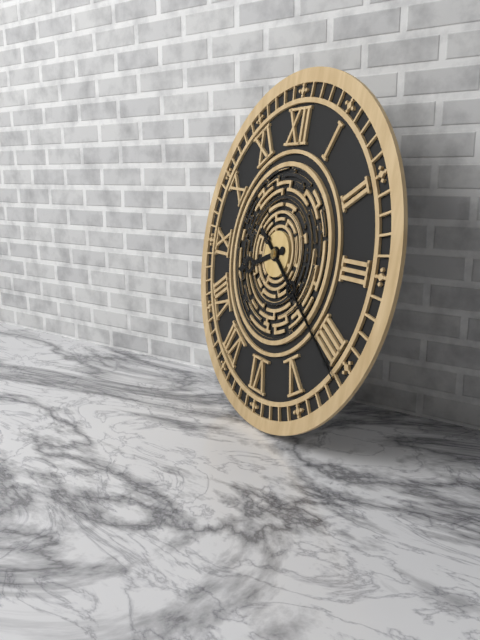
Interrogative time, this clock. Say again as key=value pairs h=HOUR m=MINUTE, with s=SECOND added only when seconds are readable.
h=8 m=21 s=21
